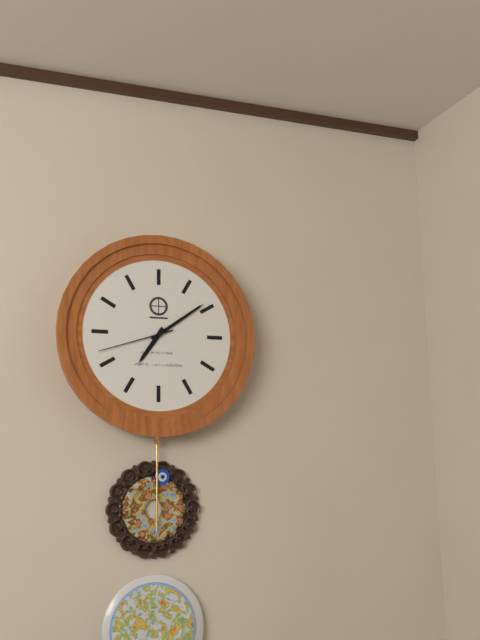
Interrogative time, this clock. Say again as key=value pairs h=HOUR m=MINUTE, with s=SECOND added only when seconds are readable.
h=7 m=9 s=42
